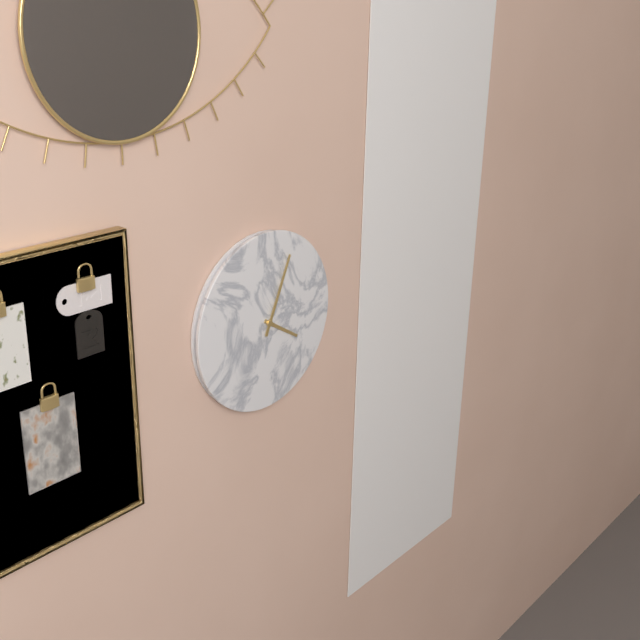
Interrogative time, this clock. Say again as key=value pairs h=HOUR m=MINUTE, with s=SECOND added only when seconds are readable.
h=4 m=4
